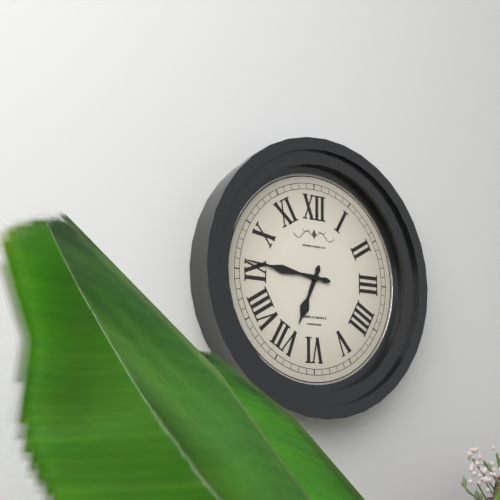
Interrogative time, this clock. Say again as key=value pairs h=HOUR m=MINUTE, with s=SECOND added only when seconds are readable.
h=6 m=46
